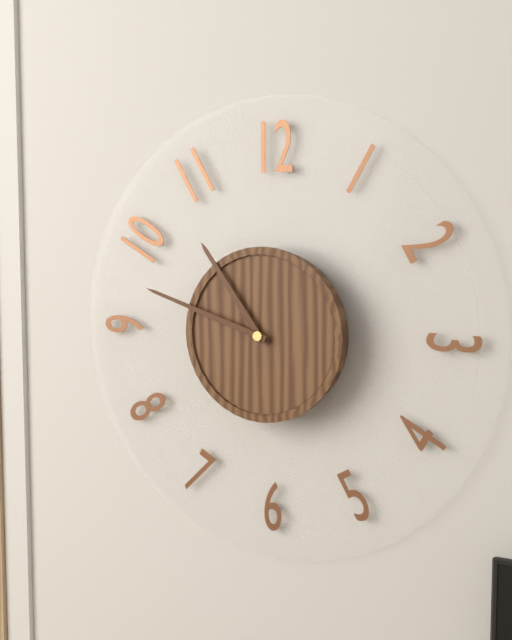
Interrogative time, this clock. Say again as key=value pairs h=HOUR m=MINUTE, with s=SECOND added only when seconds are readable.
h=10 m=48
